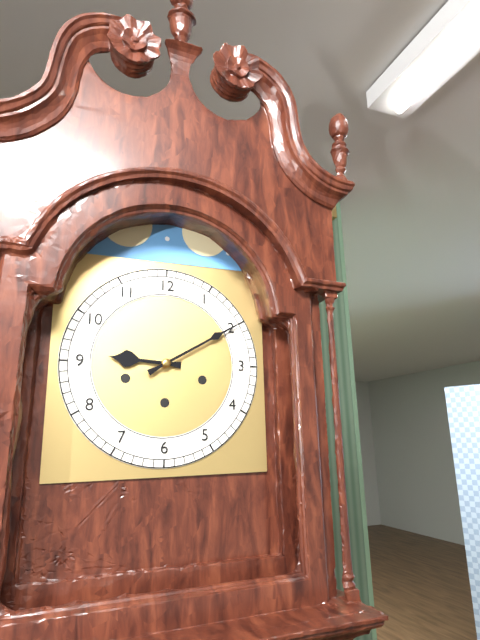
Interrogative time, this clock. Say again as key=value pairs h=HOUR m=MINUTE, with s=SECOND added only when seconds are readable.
h=9 m=10
